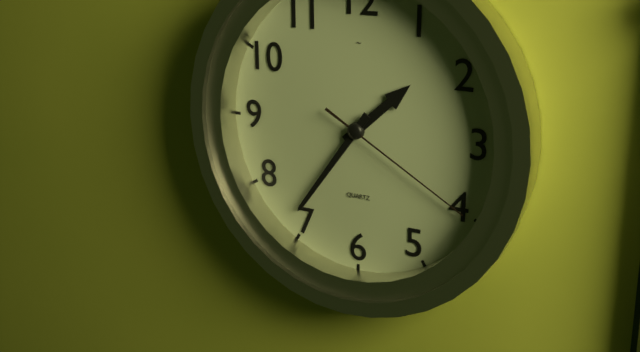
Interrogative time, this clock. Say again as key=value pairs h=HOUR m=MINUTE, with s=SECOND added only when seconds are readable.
h=1 m=36 s=20
